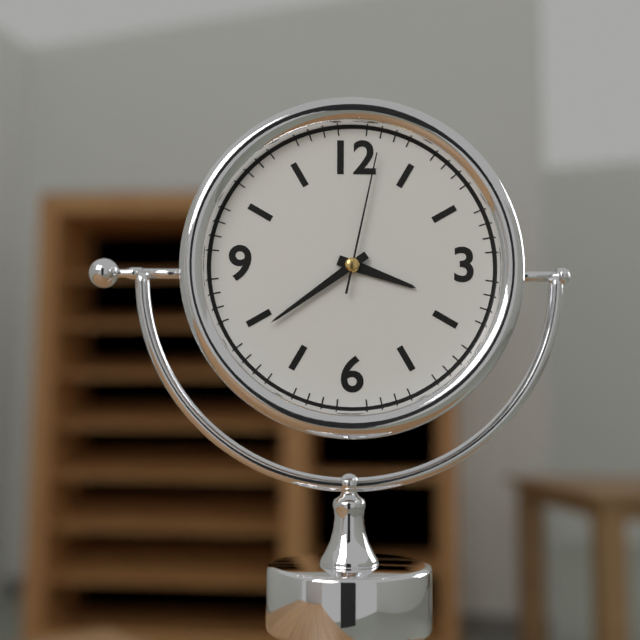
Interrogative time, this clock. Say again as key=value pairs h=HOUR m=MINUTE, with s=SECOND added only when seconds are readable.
h=3 m=39 s=2
